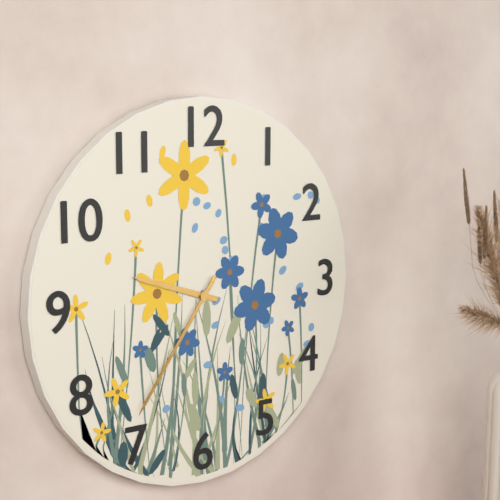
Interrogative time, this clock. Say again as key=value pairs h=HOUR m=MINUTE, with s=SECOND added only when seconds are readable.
h=9 m=36
